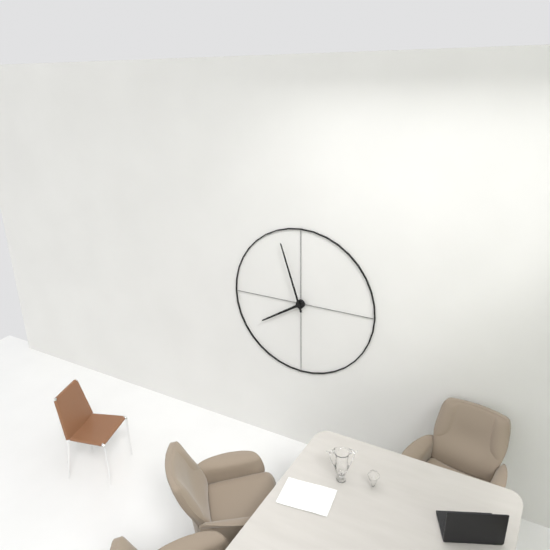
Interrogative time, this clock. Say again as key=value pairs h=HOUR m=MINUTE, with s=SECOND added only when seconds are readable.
h=7 m=57
